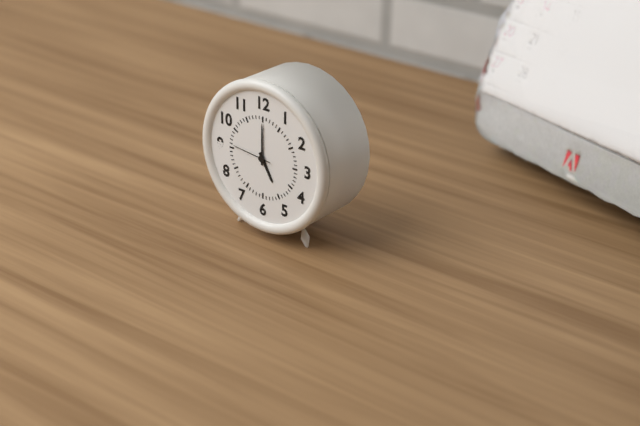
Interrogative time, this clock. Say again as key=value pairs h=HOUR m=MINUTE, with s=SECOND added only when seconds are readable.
h=5 m=0
